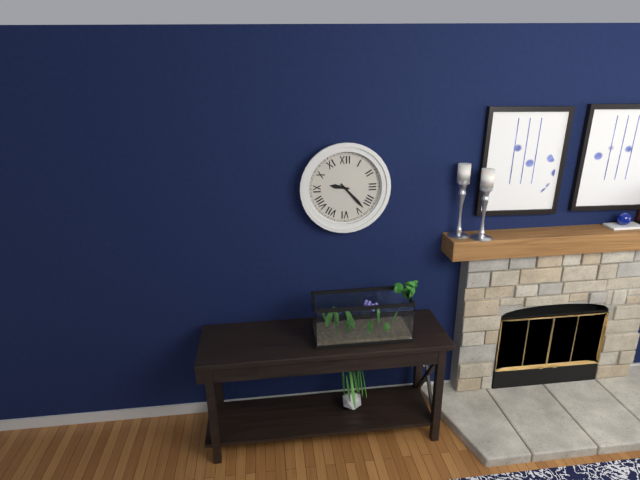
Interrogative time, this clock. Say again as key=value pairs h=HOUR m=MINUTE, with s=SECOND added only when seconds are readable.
h=9 m=23
